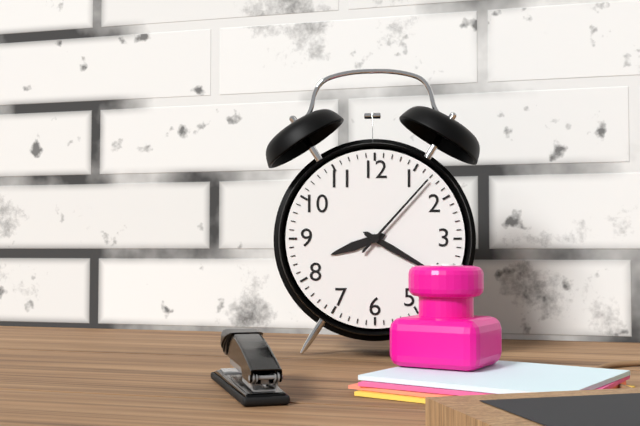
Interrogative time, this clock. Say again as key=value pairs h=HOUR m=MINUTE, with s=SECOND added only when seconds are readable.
h=8 m=20 s=7
